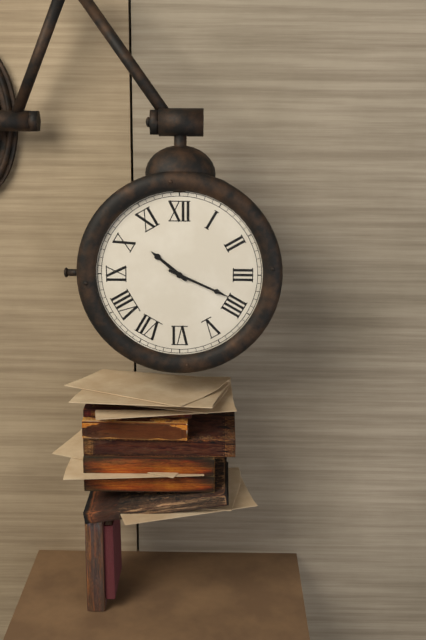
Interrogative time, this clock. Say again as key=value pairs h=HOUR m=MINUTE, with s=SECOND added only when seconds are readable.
h=10 m=19
